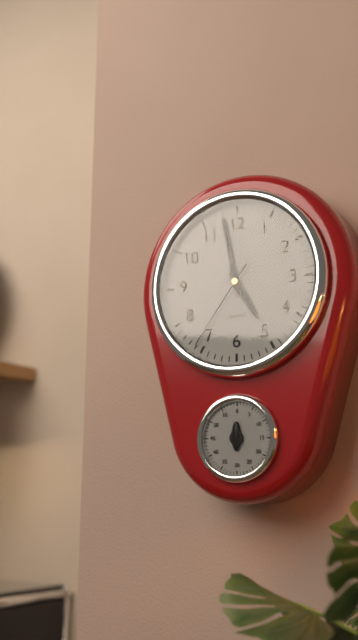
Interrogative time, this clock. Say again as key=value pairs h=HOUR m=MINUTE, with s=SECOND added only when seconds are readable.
h=4 m=58 s=36
